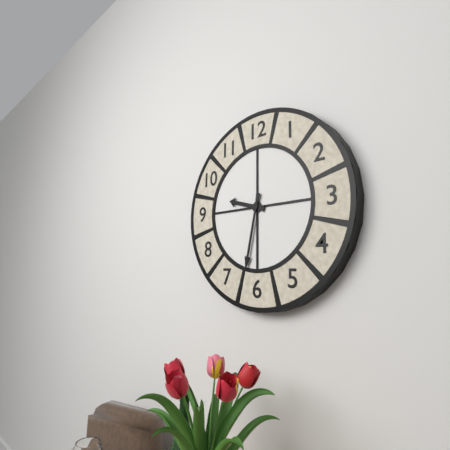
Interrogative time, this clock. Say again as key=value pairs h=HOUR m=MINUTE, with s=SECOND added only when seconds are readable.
h=9 m=32
